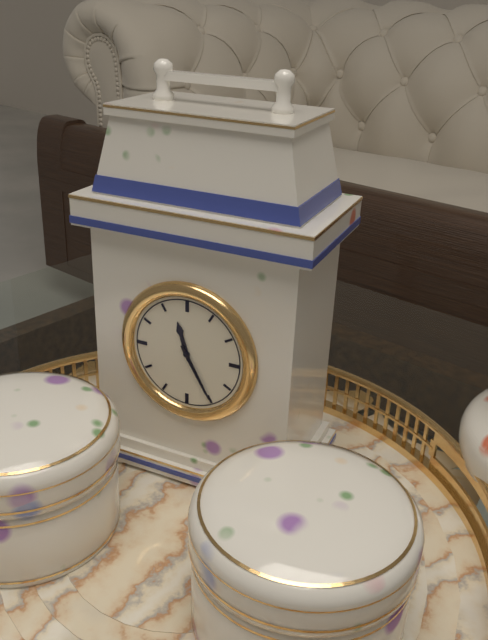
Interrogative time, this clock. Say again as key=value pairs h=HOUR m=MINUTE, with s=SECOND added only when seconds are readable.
h=11 m=25
